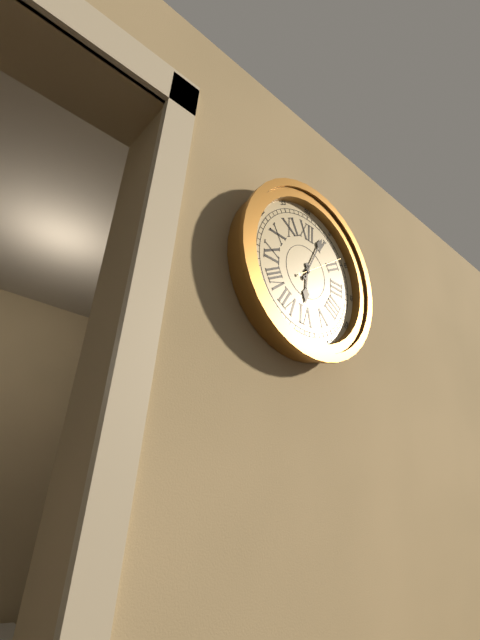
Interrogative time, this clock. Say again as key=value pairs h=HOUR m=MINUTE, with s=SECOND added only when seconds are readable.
h=6 m=4
